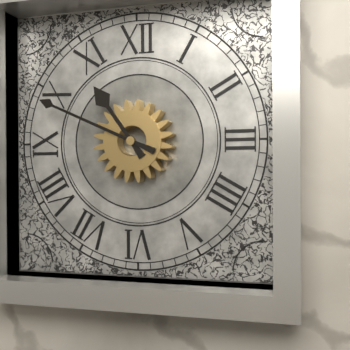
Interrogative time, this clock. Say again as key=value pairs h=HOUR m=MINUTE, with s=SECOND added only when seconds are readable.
h=10 m=49
